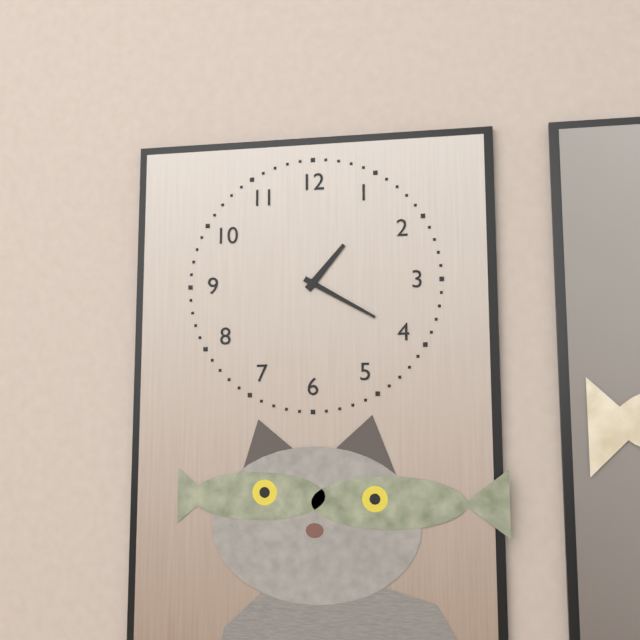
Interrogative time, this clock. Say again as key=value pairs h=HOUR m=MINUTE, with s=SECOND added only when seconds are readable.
h=1 m=20
